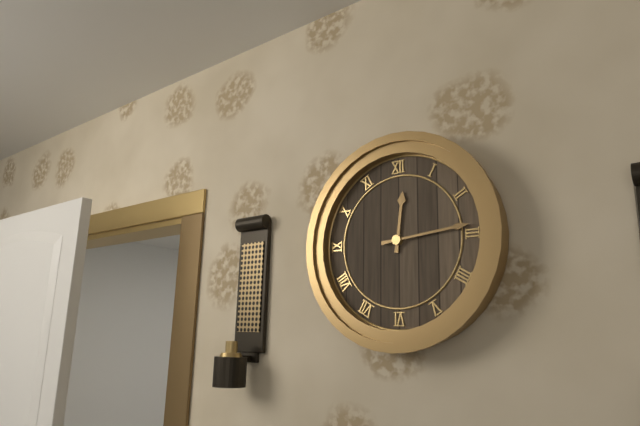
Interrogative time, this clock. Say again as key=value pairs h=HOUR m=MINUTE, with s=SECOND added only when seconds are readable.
h=12 m=14
